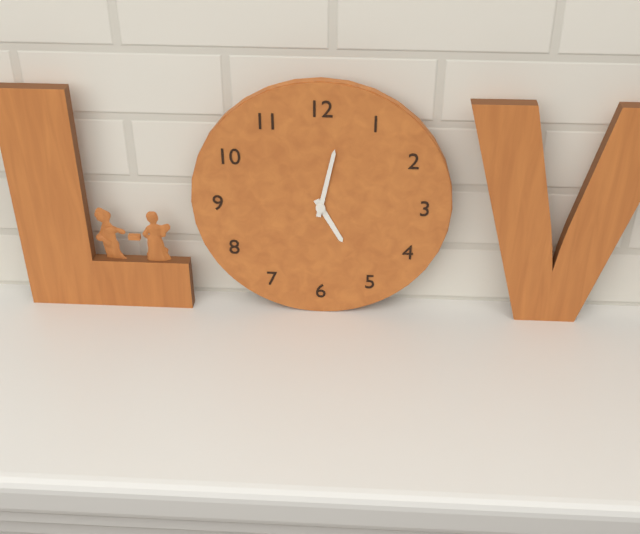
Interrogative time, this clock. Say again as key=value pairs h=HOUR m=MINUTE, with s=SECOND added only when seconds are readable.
h=5 m=2
